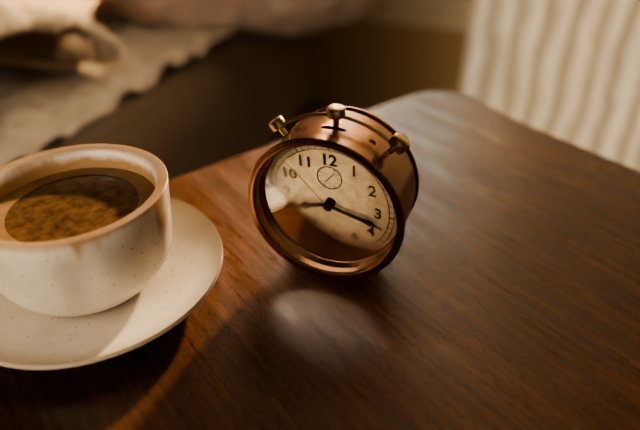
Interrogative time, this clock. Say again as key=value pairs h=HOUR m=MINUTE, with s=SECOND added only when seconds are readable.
h=8 m=17 s=53
